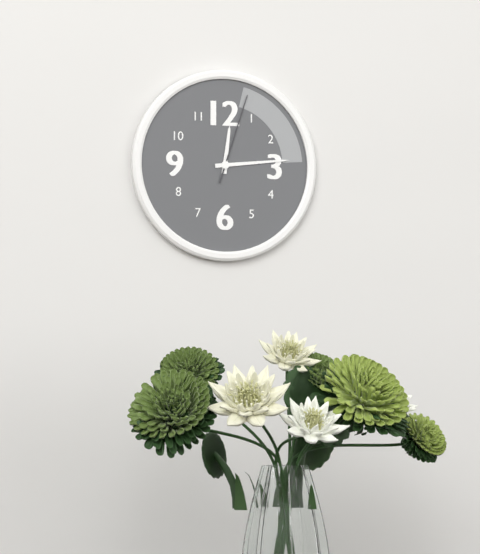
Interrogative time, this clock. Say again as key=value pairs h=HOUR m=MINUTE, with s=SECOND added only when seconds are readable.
h=12 m=14 s=3
